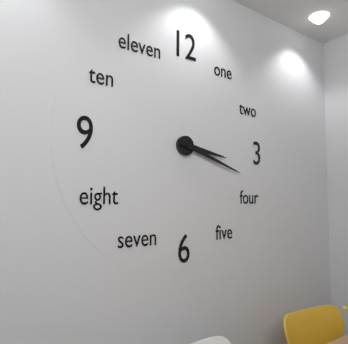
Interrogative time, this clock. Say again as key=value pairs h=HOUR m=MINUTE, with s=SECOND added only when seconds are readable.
h=3 m=18
